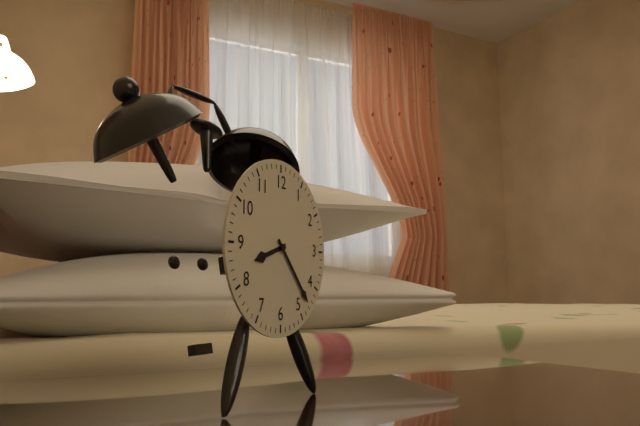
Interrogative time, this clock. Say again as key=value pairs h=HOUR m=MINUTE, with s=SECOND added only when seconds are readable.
h=8 m=23
